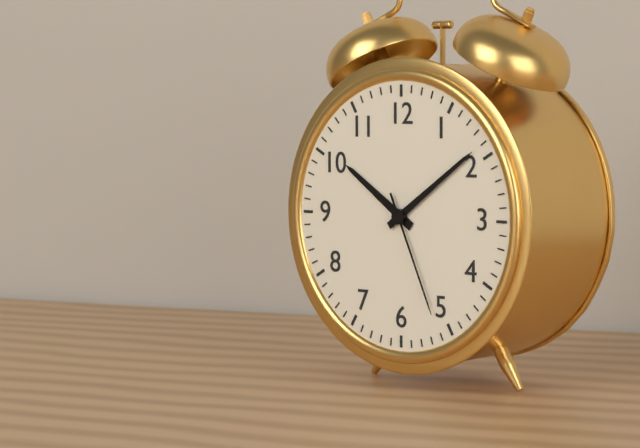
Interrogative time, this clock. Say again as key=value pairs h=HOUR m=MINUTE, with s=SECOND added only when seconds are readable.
h=10 m=9 s=26
